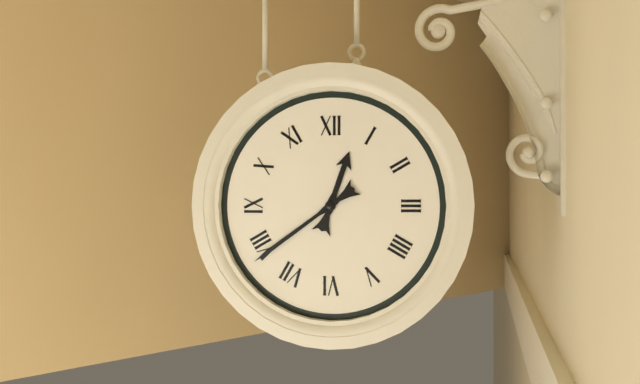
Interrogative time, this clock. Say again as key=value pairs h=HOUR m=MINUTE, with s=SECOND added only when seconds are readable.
h=12 m=39
